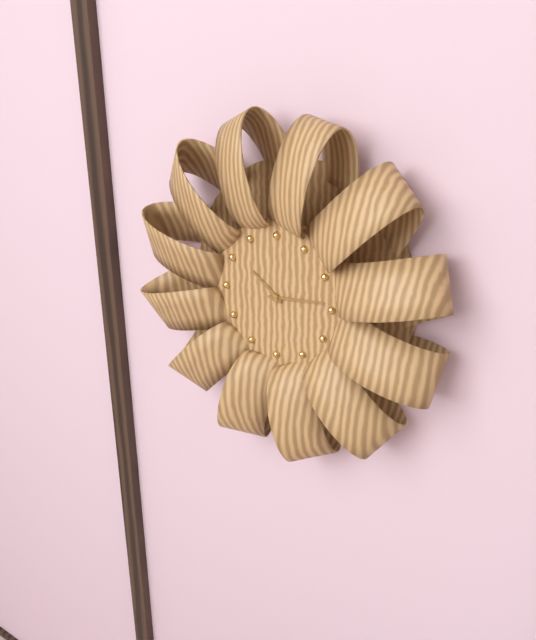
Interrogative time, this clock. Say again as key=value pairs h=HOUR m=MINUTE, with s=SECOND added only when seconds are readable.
h=10 m=14
